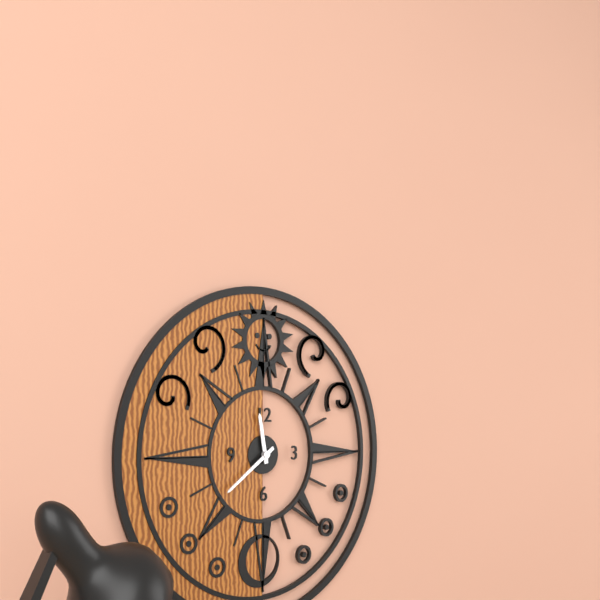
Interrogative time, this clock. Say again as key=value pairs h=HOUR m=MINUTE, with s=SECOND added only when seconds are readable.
h=11 m=39
